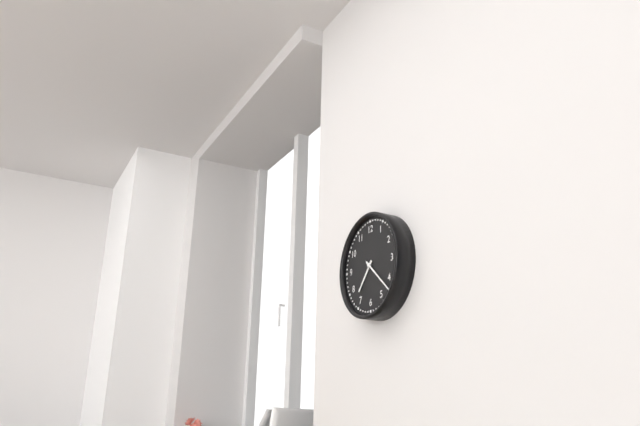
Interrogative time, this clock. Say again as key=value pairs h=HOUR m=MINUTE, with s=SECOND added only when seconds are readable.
h=7 m=22
